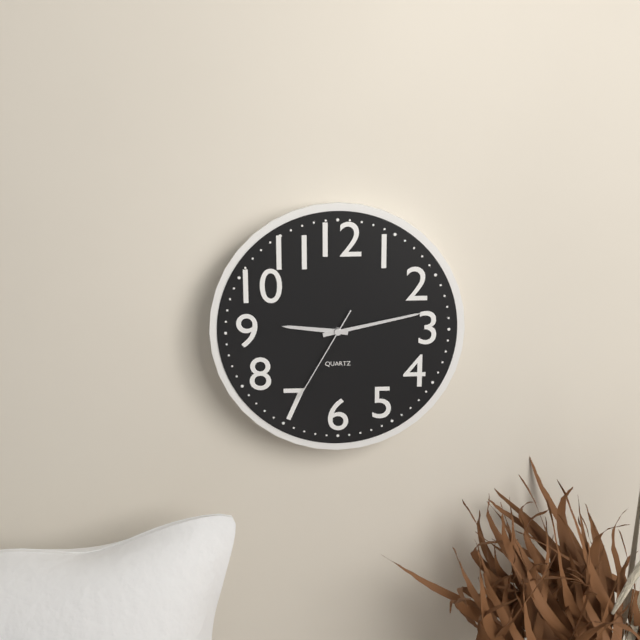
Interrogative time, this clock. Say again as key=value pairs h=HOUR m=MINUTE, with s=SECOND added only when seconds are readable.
h=9 m=13 s=35
